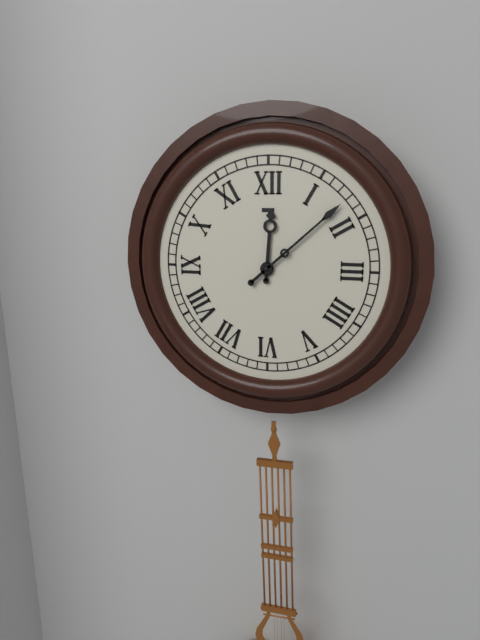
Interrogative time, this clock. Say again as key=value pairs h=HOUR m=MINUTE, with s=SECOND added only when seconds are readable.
h=12 m=8
